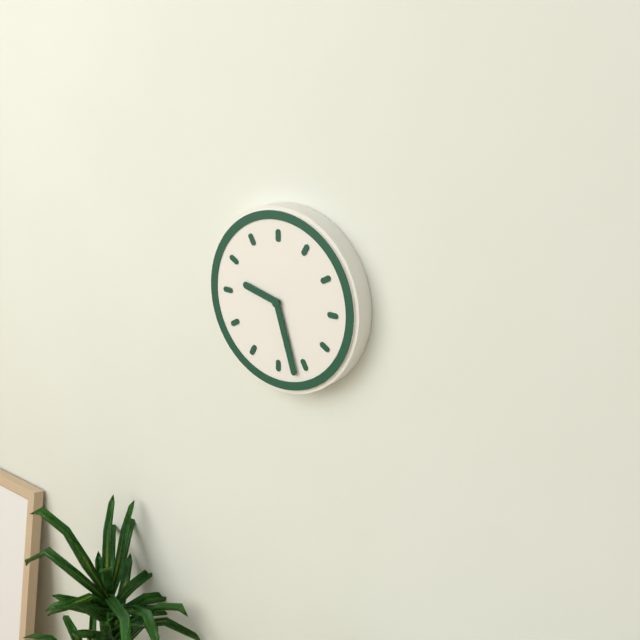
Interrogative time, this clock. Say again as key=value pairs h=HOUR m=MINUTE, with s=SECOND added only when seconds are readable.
h=9 m=27
